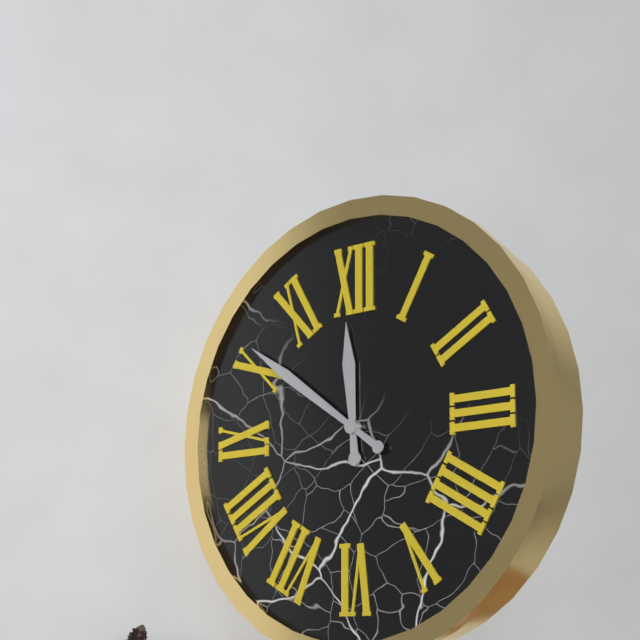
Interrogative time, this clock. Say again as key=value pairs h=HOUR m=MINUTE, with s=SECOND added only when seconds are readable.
h=11 m=51
